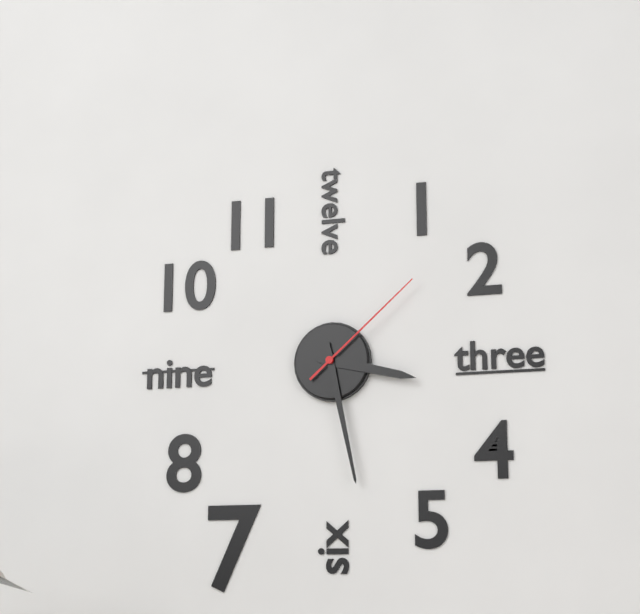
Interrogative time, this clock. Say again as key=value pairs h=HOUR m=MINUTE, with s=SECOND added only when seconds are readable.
h=3 m=28 s=8
